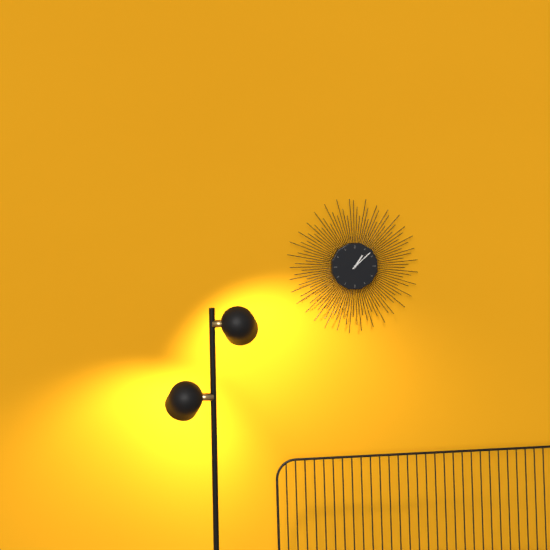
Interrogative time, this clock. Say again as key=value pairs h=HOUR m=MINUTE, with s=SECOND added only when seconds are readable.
h=1 m=8
